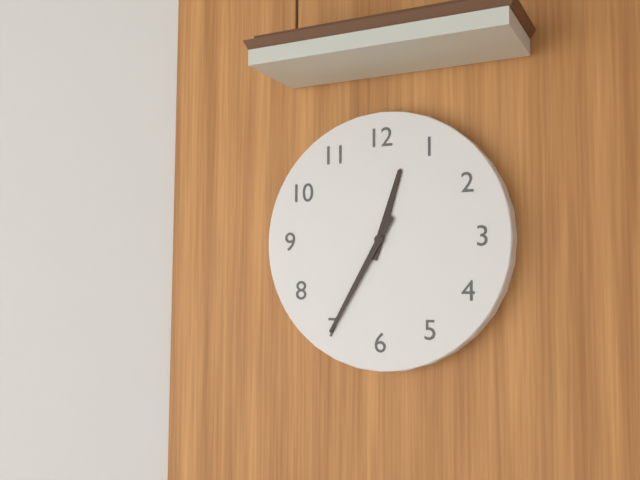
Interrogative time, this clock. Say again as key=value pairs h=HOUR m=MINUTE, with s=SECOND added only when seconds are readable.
h=12 m=35
